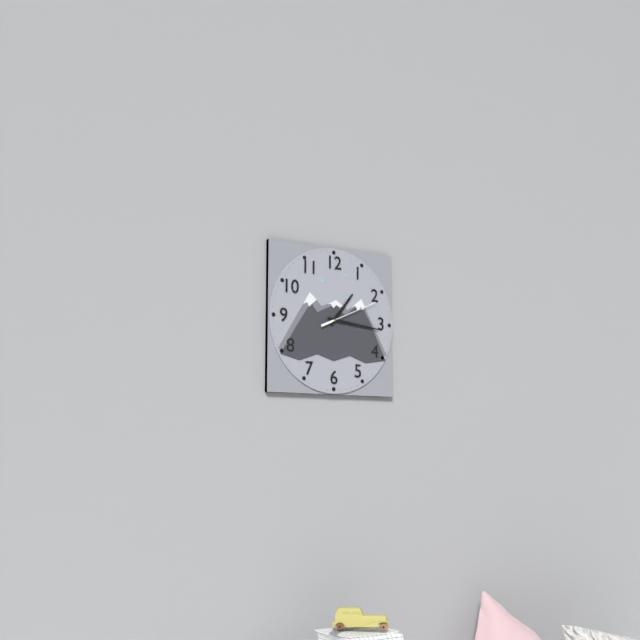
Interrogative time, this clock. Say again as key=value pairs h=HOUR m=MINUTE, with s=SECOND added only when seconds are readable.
h=1 m=16 s=11
